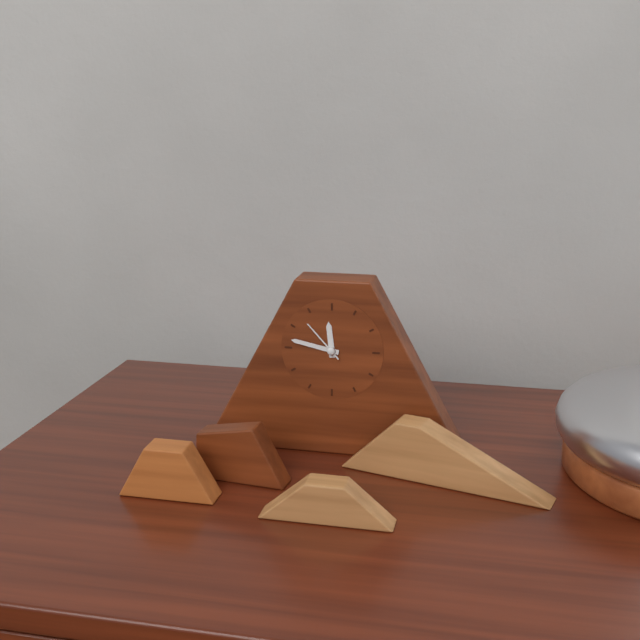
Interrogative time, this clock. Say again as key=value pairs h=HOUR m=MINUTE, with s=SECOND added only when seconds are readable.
h=11 m=47
